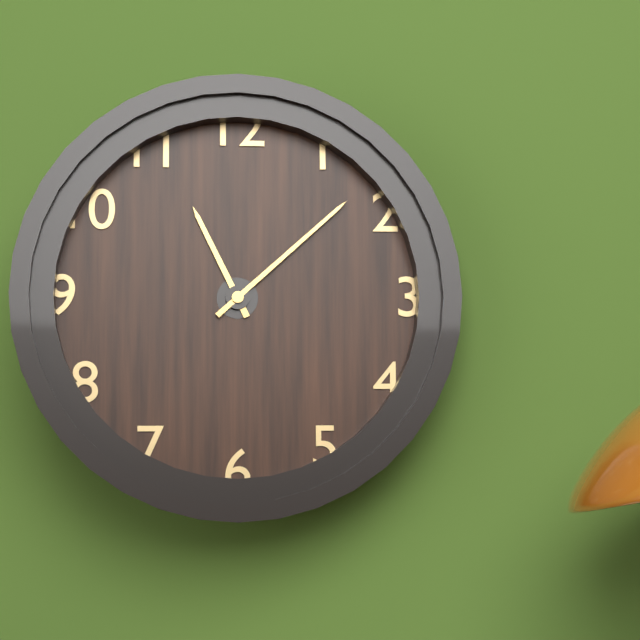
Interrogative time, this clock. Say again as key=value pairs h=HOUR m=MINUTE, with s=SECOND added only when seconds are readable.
h=11 m=8
